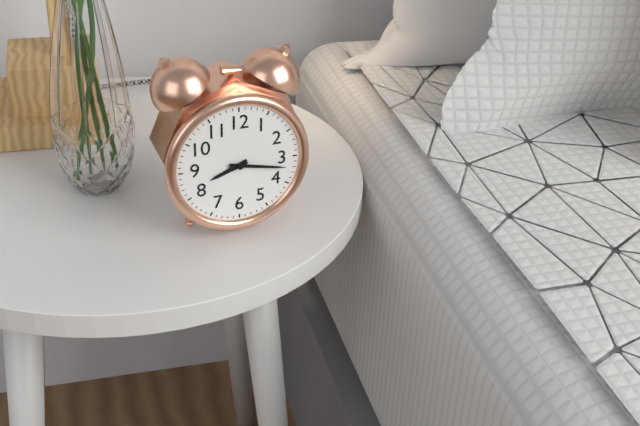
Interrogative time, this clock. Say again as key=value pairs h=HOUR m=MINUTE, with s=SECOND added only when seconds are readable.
h=8 m=17
